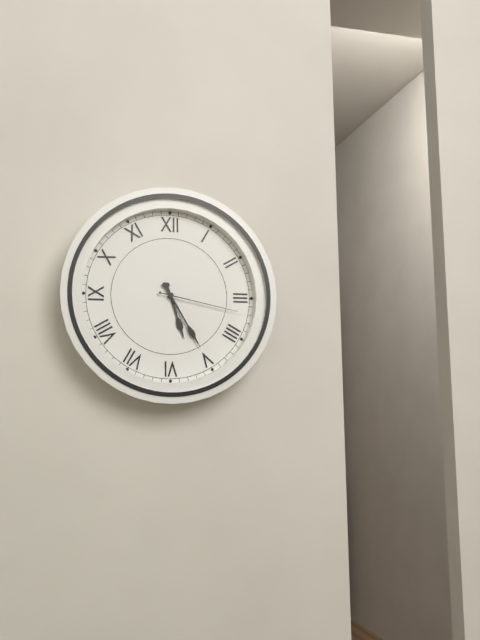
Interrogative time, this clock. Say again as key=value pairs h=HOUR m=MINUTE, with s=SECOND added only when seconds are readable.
h=5 m=25 s=17
